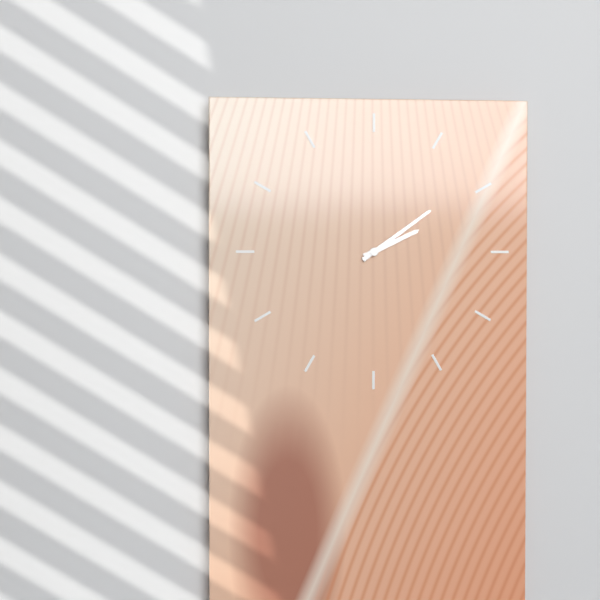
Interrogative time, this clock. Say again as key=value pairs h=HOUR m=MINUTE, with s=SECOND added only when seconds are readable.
h=2 m=9
